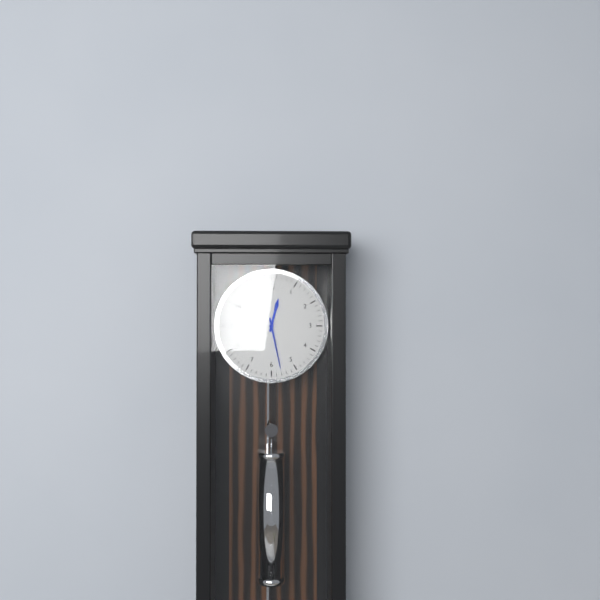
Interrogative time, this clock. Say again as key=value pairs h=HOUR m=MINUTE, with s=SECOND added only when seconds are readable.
h=12 m=28
